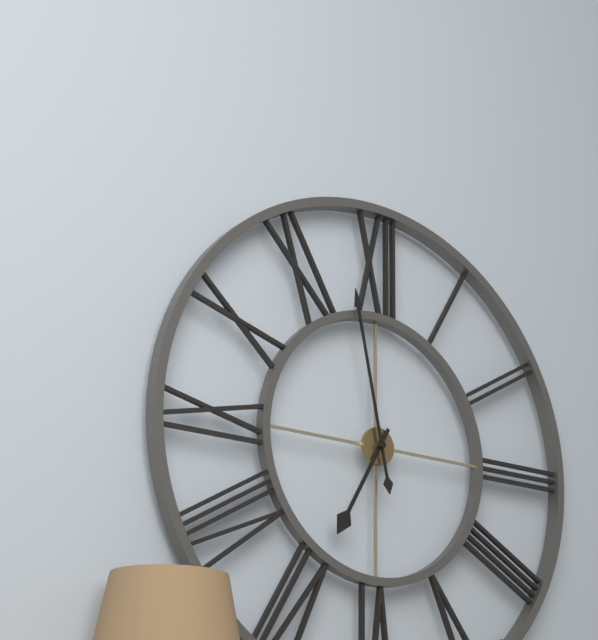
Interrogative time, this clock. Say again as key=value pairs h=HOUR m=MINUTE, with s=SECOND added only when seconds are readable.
h=6 m=58
